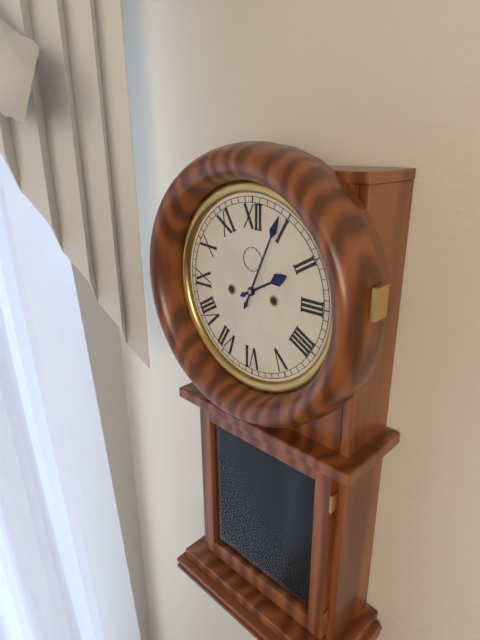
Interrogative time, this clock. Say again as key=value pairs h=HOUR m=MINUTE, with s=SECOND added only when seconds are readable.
h=2 m=4
